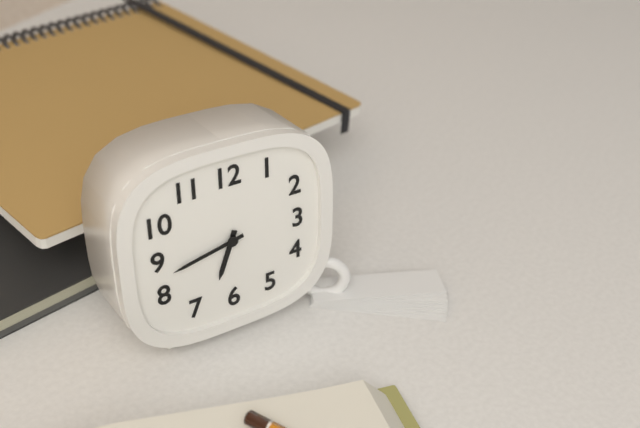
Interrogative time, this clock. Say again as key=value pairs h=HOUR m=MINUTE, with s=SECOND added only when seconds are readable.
h=6 m=43
